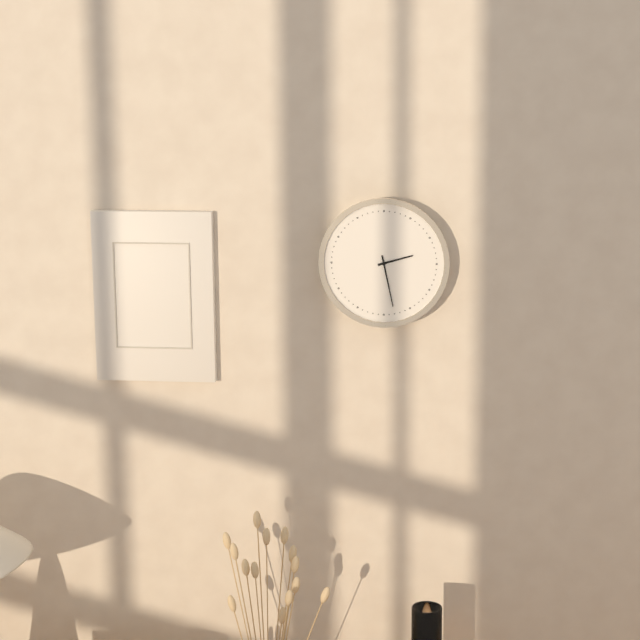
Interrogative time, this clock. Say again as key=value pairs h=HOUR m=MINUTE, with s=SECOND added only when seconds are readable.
h=2 m=28
